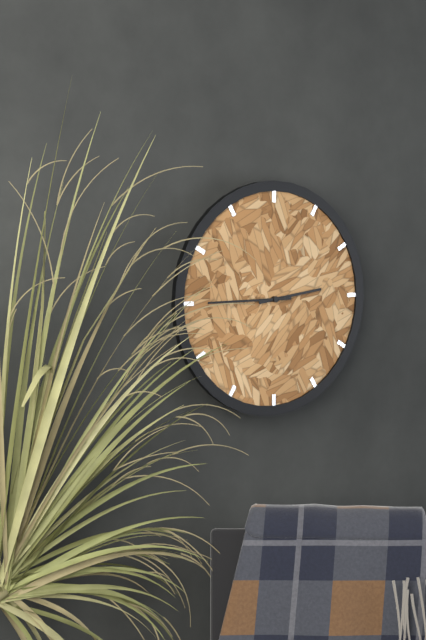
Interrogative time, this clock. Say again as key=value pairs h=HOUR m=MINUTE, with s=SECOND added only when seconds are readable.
h=2 m=45
